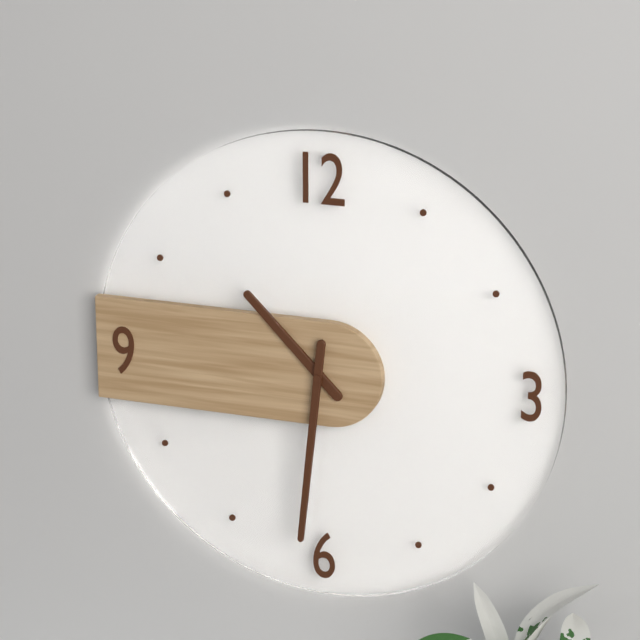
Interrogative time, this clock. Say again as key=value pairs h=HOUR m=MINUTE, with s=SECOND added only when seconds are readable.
h=10 m=31
